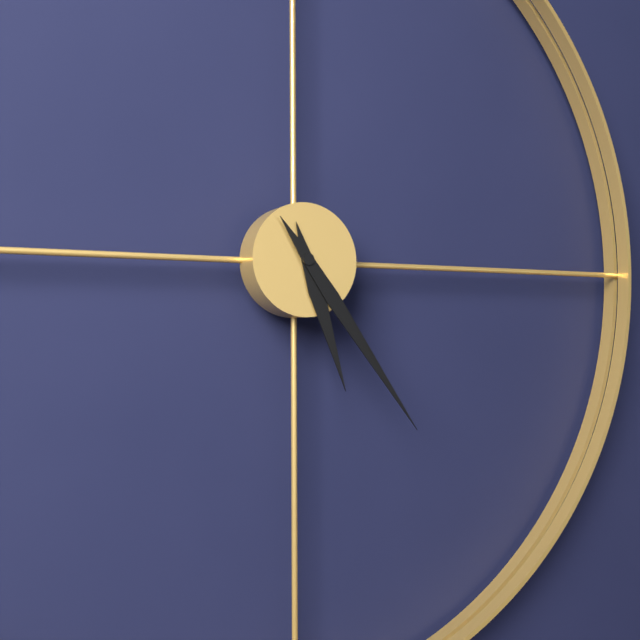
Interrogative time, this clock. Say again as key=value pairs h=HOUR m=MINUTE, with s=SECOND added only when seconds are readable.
h=5 m=24
